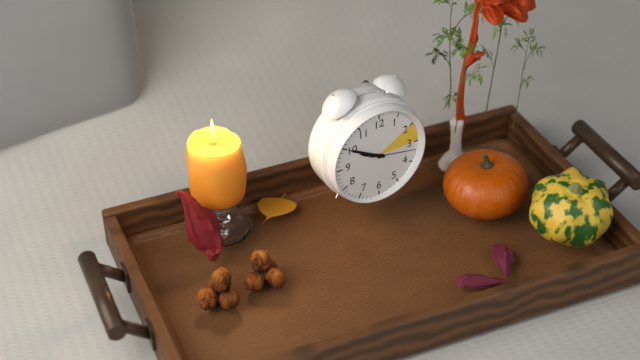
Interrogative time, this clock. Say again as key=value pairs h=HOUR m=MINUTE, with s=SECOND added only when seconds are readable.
h=9 m=50
